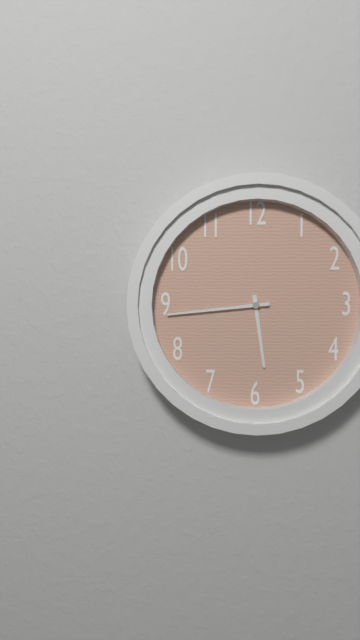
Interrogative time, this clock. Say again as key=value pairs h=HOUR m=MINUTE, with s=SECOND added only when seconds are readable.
h=5 m=44
